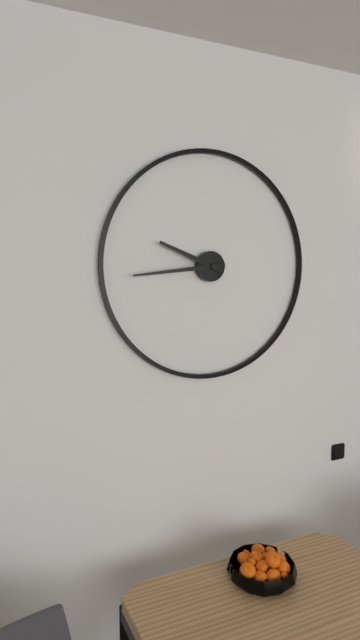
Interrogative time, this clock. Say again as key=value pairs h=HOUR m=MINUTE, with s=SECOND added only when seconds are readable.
h=9 m=44
